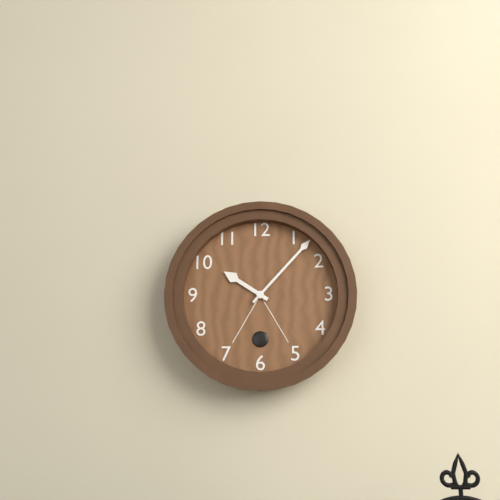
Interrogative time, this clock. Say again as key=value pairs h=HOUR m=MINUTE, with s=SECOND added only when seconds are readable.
h=10 m=7
